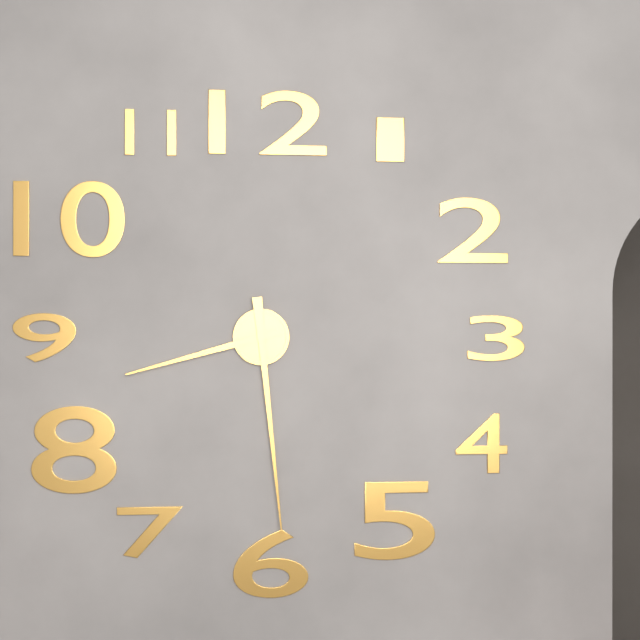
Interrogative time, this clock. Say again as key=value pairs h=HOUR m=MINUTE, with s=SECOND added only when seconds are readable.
h=8 m=29
